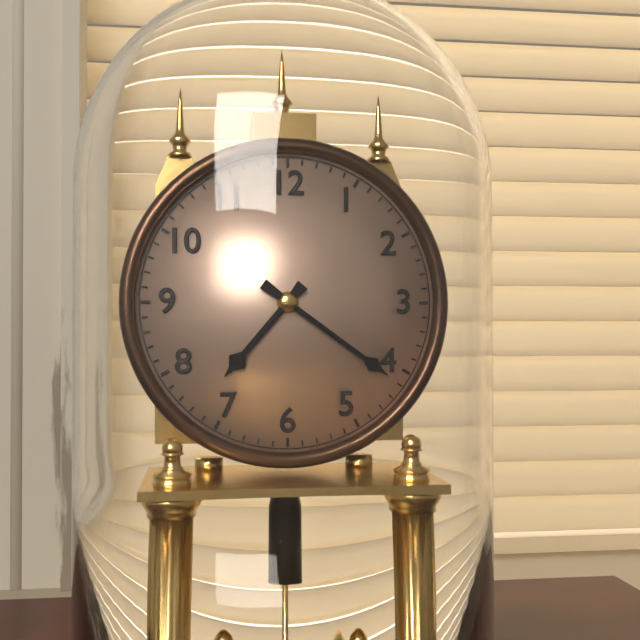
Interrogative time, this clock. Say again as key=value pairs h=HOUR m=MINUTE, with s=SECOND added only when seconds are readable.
h=7 m=21
